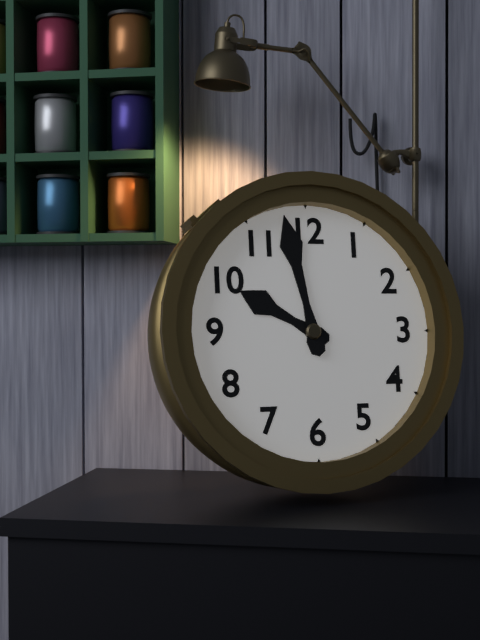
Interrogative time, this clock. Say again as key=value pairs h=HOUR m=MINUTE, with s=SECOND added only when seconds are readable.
h=9 m=58
